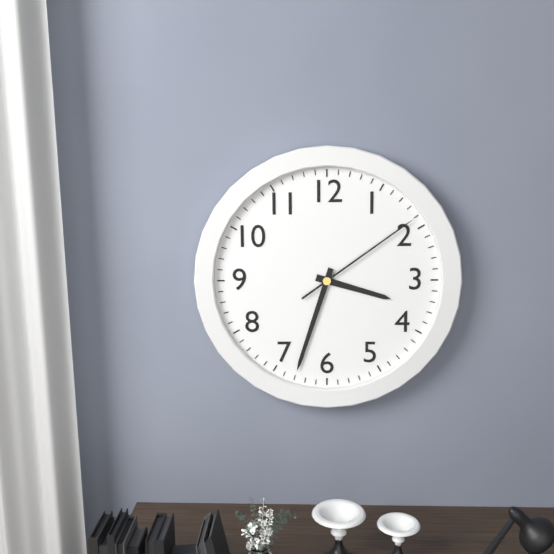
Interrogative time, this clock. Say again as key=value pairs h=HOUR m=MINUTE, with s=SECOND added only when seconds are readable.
h=3 m=33 s=9
